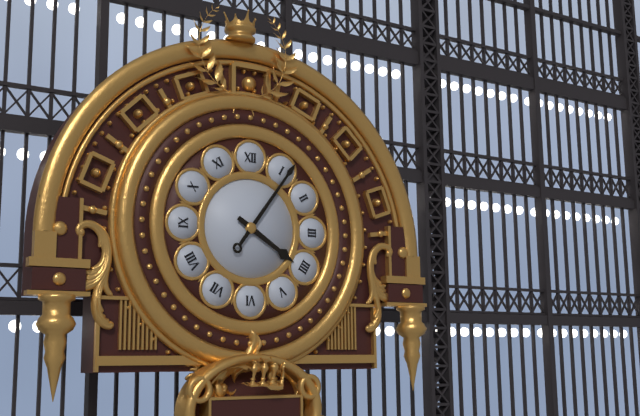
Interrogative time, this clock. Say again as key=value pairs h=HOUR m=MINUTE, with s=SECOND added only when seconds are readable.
h=4 m=6
